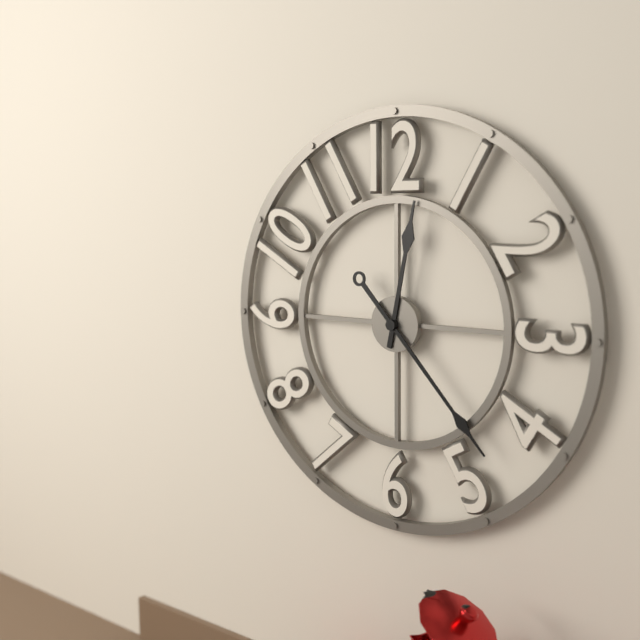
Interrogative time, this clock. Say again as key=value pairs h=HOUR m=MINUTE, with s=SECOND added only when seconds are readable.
h=12 m=23
